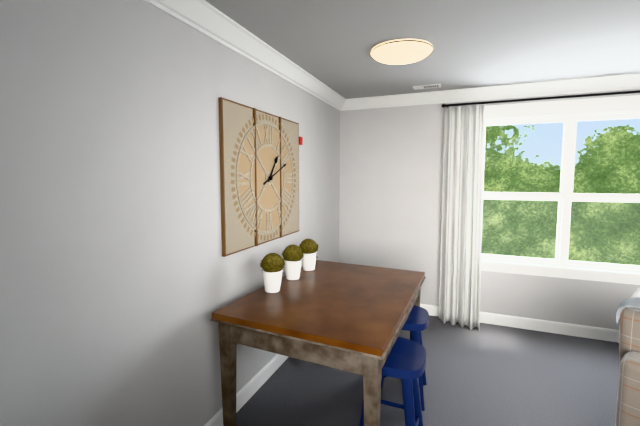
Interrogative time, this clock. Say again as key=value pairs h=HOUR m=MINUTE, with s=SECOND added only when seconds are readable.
h=1 m=11
